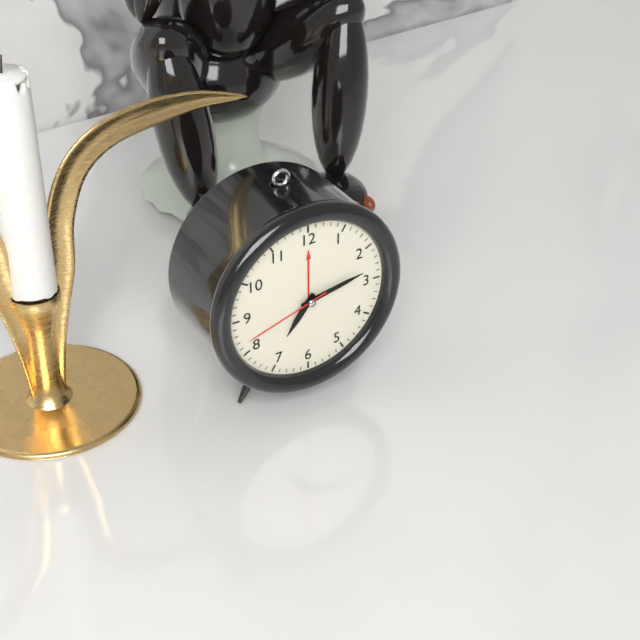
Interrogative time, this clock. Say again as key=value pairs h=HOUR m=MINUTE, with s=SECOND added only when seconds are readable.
h=7 m=13 s=42
